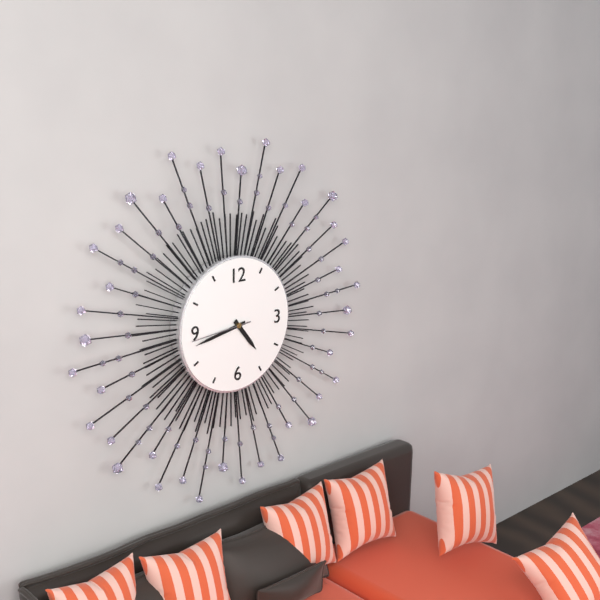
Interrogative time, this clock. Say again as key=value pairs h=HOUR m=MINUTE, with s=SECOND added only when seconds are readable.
h=4 m=43 s=44
